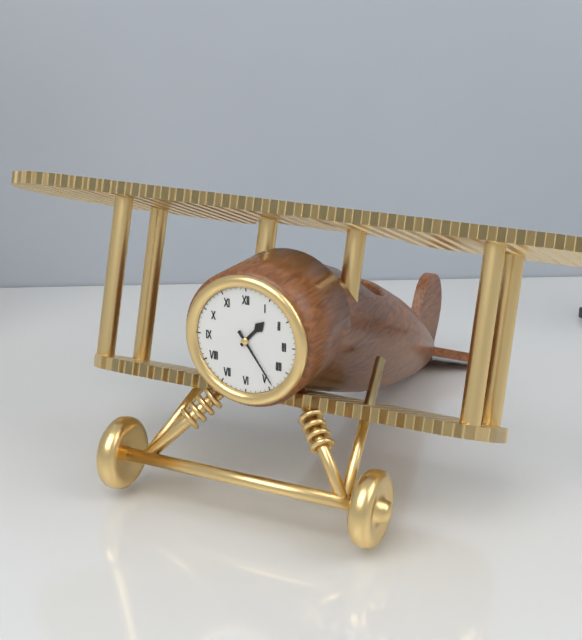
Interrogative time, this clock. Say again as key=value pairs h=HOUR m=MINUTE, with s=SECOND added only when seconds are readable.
h=1 m=24
